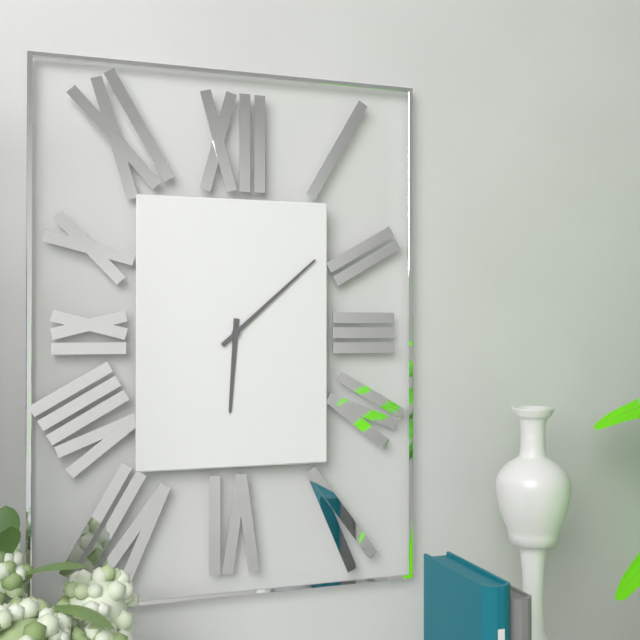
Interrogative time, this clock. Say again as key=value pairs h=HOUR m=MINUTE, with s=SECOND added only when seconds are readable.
h=6 m=8
